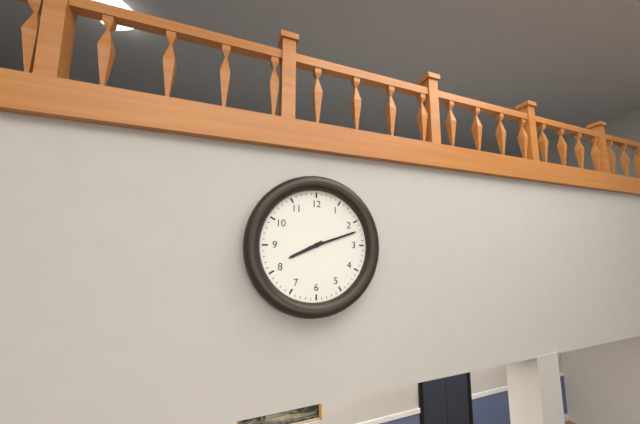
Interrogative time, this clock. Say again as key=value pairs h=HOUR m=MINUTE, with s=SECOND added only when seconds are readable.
h=8 m=12
